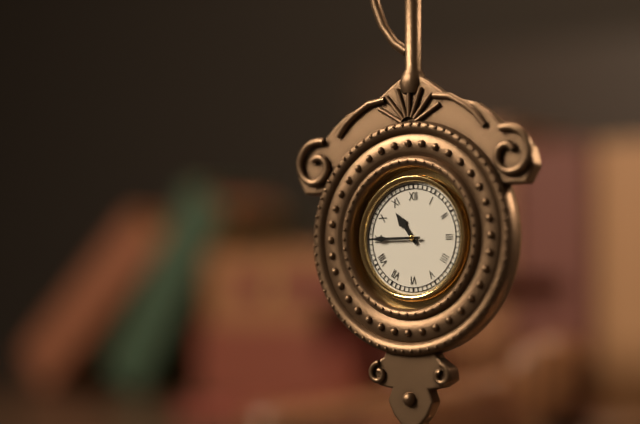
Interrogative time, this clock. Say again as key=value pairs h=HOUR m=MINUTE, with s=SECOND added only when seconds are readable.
h=10 m=45
